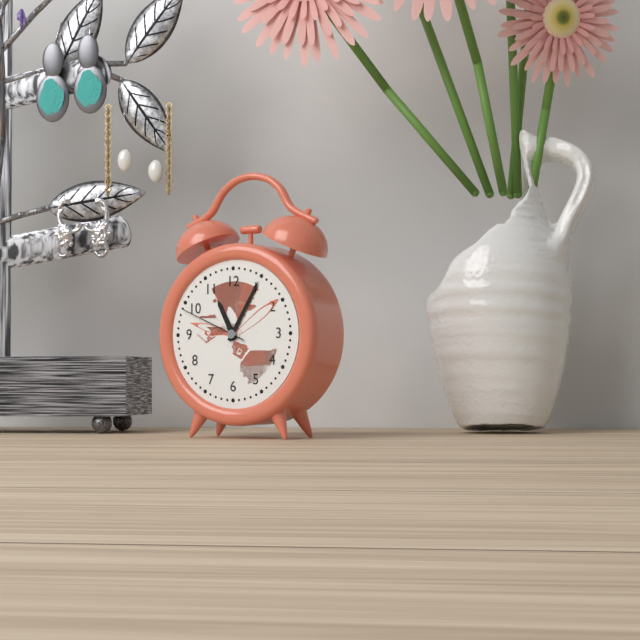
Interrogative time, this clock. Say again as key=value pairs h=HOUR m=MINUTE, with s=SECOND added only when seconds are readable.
h=11 m=5 s=49
